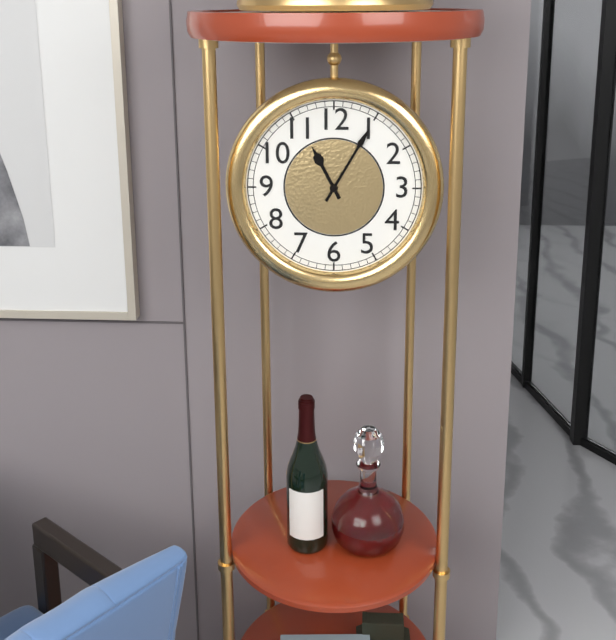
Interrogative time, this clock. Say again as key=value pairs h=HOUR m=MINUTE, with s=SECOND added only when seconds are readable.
h=11 m=5
